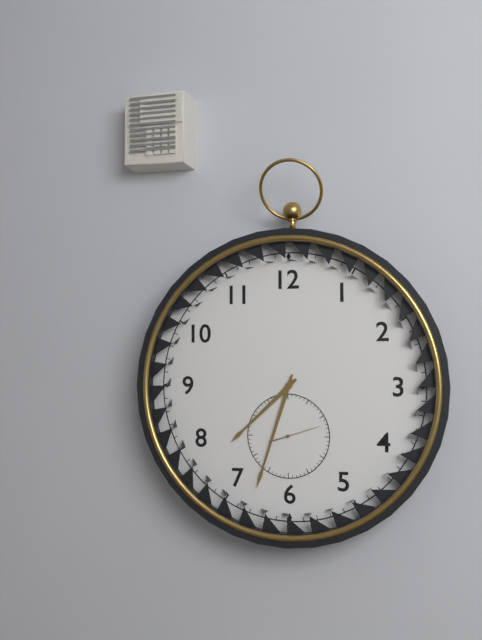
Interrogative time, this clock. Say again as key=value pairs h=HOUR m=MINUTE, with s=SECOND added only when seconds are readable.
h=7 m=33
